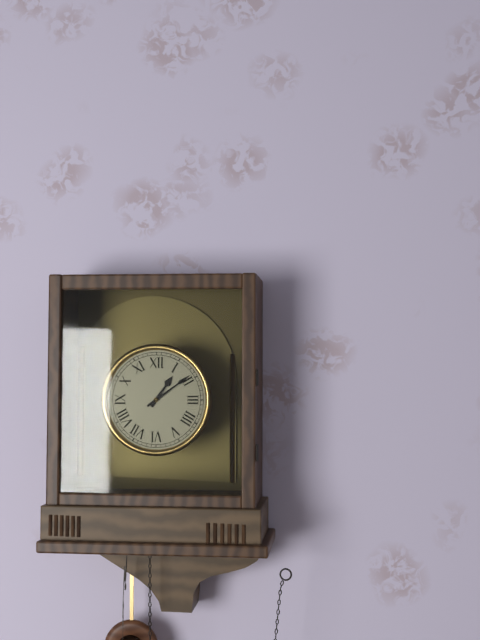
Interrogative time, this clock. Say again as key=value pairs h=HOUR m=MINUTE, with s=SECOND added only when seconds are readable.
h=1 m=9
